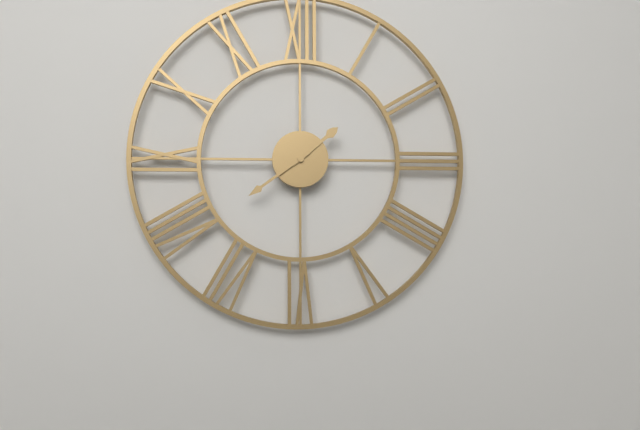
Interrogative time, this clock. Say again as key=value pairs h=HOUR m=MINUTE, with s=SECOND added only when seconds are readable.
h=1 m=39
